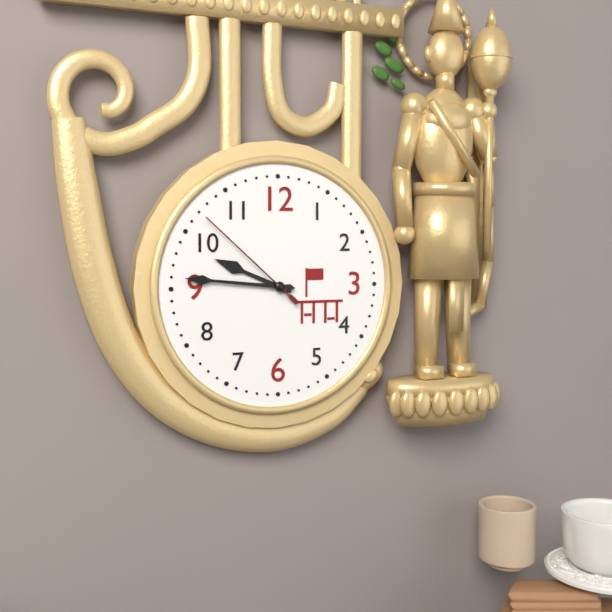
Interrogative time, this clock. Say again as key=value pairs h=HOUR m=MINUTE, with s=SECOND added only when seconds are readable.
h=9 m=46 s=52
